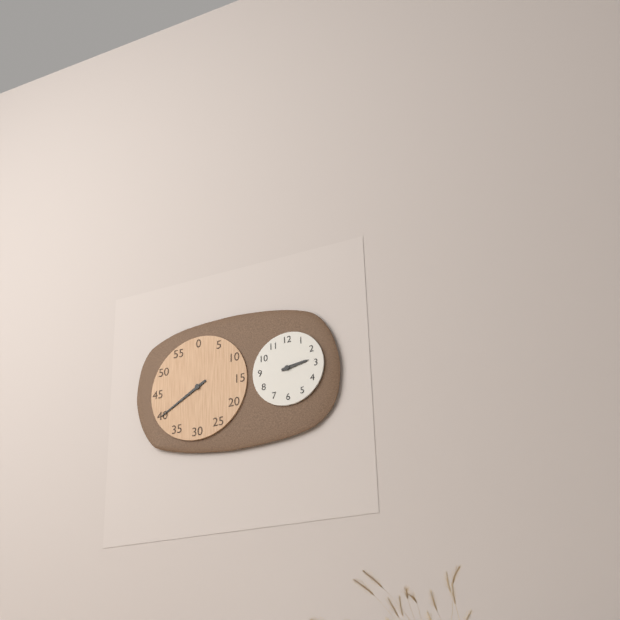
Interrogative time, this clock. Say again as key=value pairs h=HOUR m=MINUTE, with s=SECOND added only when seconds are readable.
h=2 m=40
